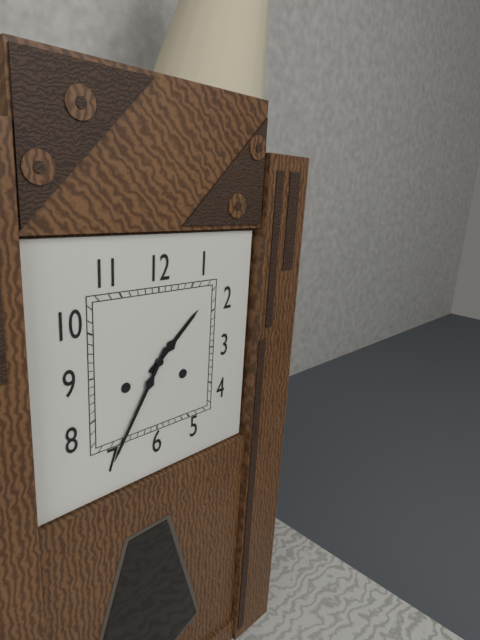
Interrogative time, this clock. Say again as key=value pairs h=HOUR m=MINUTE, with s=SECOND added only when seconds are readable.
h=1 m=35
